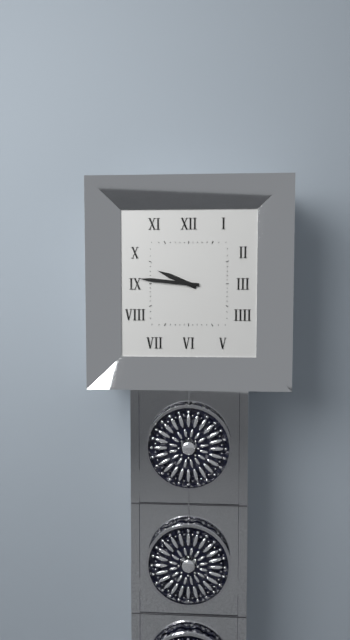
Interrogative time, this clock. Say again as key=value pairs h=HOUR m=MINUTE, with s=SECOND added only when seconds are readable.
h=9 m=46
